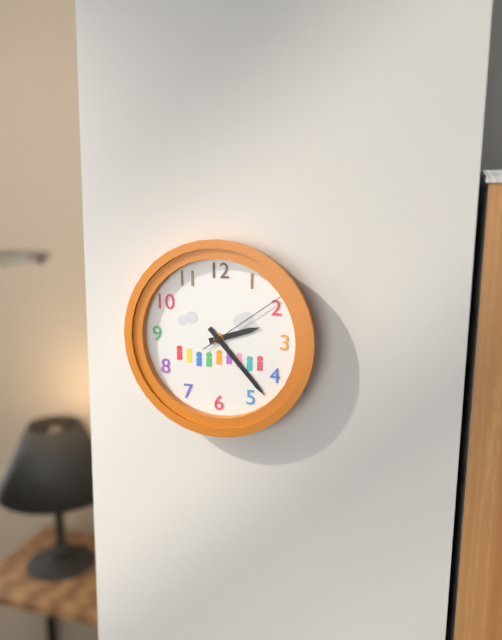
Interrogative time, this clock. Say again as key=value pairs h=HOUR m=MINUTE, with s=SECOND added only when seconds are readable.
h=2 m=23 s=9
